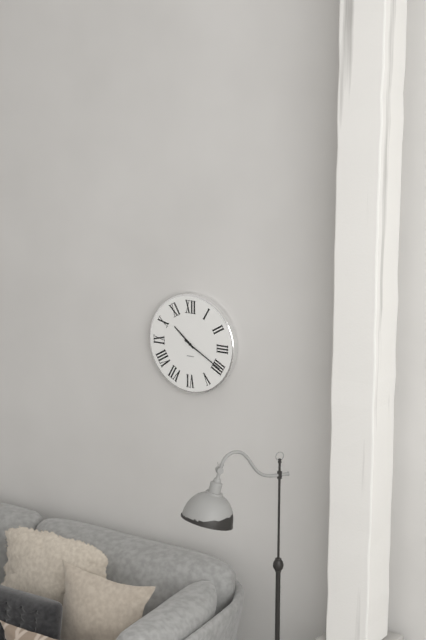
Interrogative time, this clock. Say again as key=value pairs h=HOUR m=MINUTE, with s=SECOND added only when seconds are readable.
h=10 m=20
